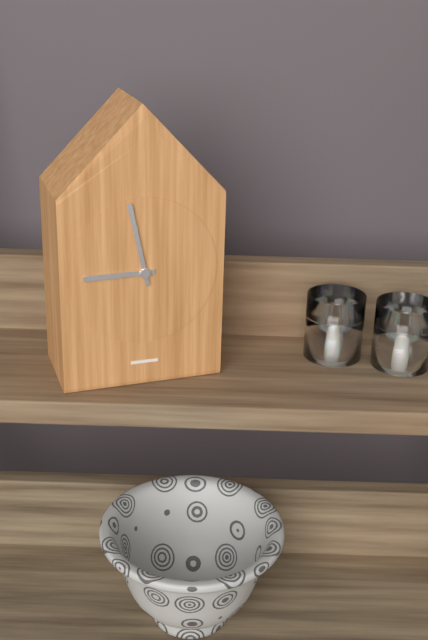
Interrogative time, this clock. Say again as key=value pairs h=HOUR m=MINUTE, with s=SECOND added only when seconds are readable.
h=8 m=58
